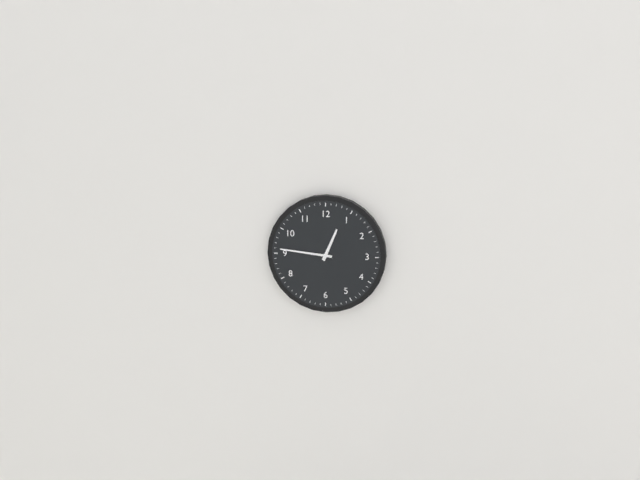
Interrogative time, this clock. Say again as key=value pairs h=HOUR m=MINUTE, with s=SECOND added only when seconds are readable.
h=12 m=46
